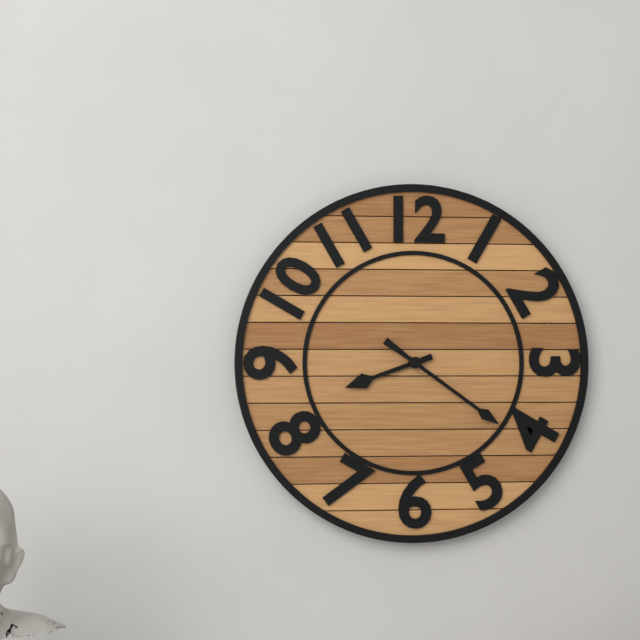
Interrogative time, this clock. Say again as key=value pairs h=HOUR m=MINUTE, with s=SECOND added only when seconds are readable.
h=8 m=21
